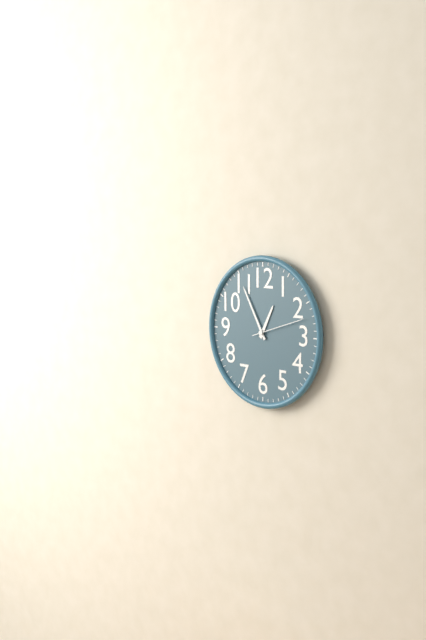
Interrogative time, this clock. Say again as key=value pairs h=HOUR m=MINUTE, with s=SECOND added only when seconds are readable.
h=12 m=55 s=12
